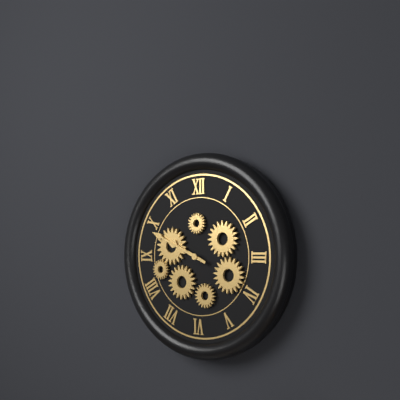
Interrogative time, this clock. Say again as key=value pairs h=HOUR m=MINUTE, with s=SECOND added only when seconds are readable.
h=9 m=49
